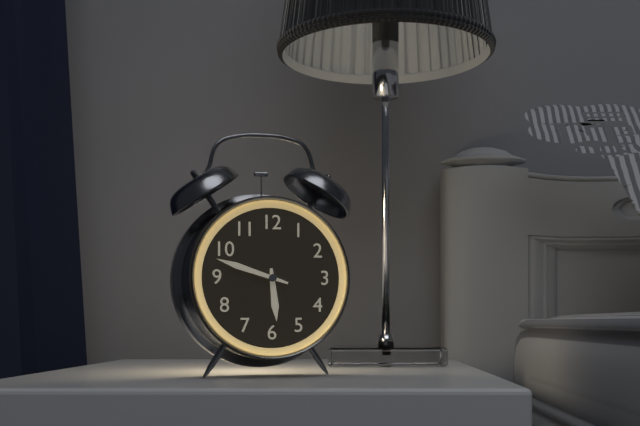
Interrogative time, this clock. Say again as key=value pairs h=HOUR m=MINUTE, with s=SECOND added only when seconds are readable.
h=5 m=48
